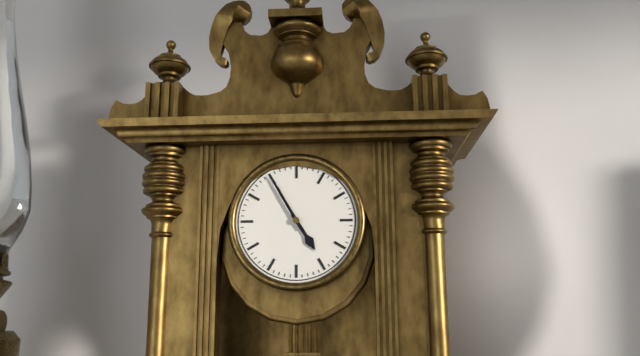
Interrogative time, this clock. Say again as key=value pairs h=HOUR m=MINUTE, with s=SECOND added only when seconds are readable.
h=4 m=55
